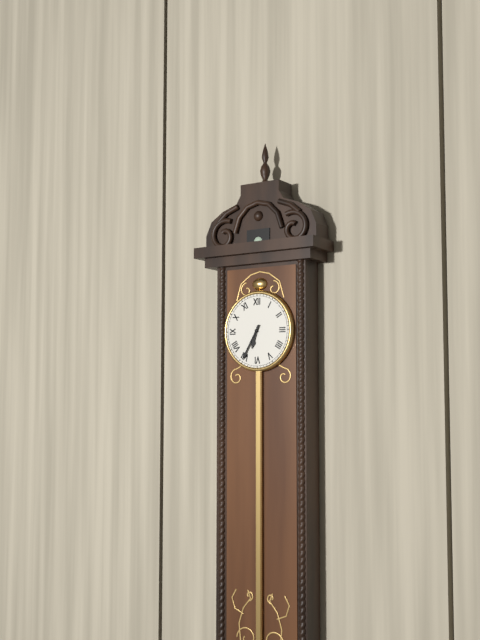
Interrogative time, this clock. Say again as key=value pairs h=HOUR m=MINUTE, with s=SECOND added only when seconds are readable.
h=6 m=35
